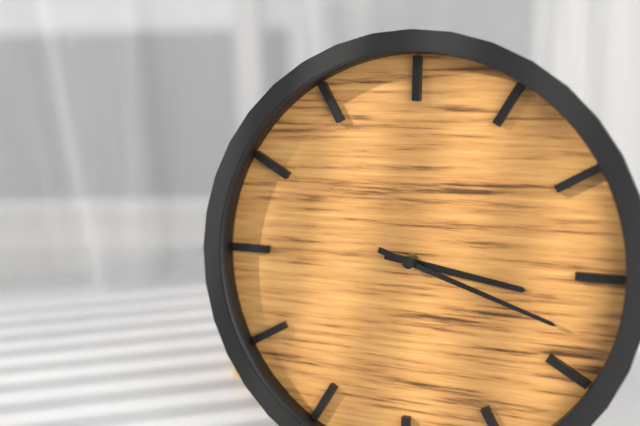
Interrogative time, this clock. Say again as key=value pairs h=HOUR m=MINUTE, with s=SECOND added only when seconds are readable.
h=3 m=18
